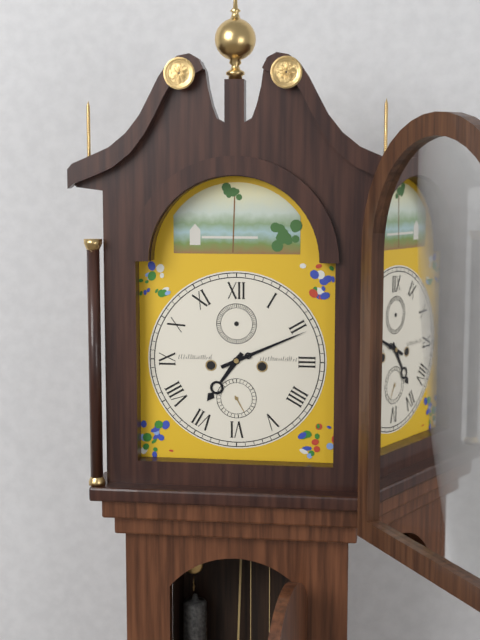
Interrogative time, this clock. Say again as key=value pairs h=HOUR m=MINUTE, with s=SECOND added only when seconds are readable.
h=7 m=11
